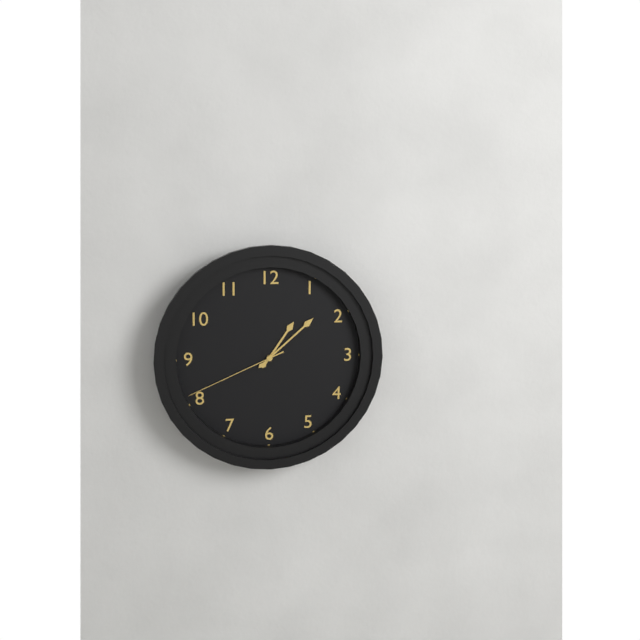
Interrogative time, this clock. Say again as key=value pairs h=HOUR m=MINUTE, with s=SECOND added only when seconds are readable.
h=1 m=8 s=41
